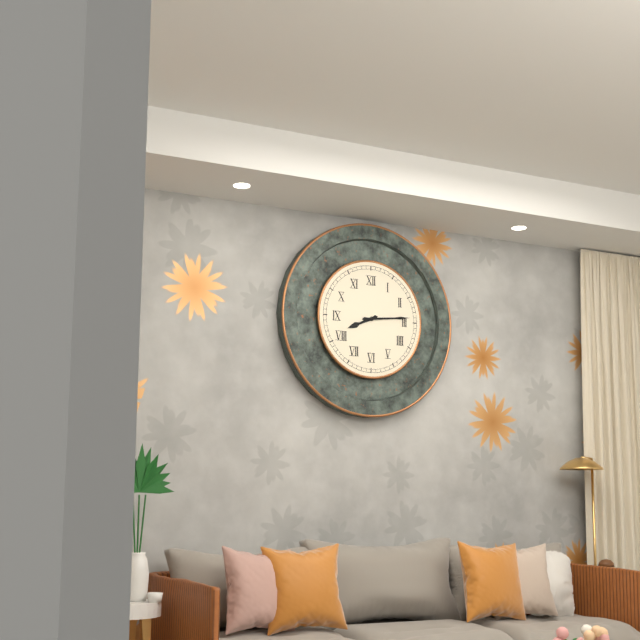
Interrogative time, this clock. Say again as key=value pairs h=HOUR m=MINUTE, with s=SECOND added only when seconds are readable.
h=8 m=14
